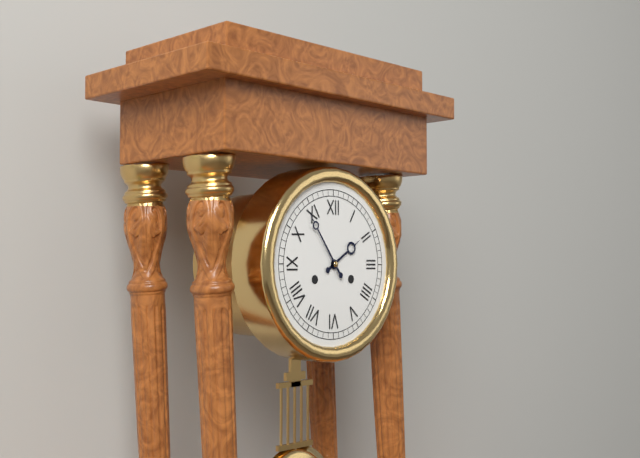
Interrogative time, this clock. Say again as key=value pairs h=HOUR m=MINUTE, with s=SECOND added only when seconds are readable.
h=1 m=54
